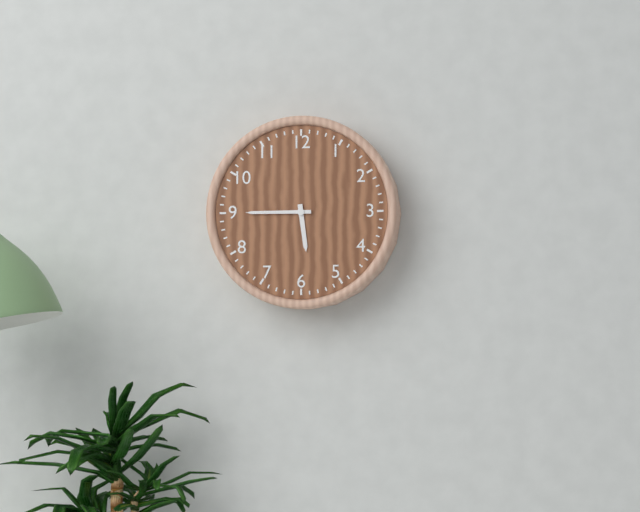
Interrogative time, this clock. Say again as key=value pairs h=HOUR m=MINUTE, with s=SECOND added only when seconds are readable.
h=5 m=45
